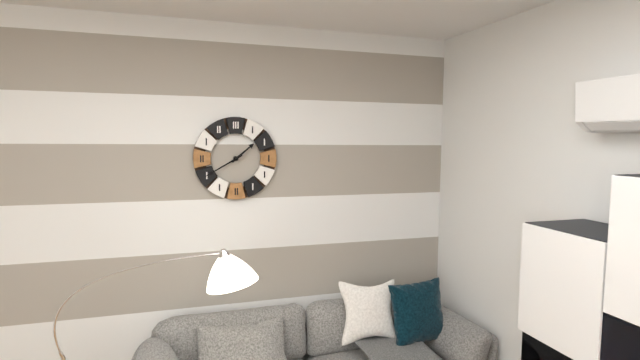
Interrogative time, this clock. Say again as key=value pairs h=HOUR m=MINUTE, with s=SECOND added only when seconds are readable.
h=1 m=40
